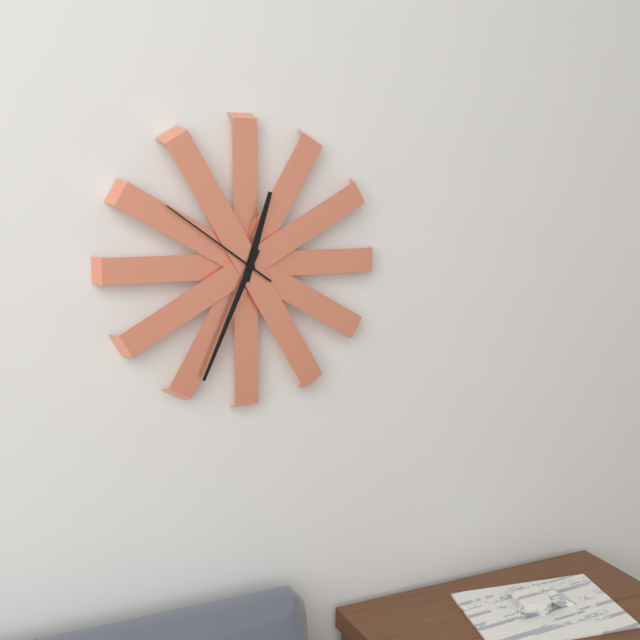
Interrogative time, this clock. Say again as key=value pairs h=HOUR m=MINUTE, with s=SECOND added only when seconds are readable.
h=12 m=34 s=51
